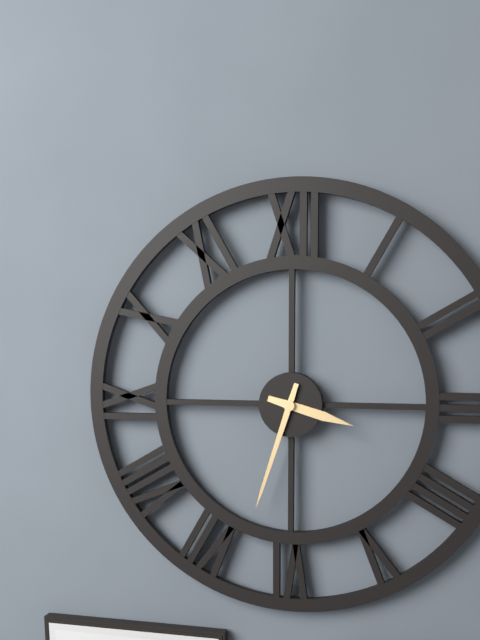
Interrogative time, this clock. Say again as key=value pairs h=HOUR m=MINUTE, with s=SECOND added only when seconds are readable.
h=3 m=33
